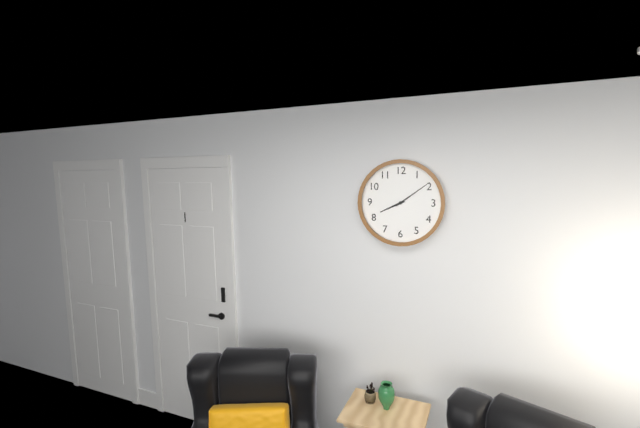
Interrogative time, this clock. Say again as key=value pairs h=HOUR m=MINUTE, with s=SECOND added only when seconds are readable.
h=8 m=9
